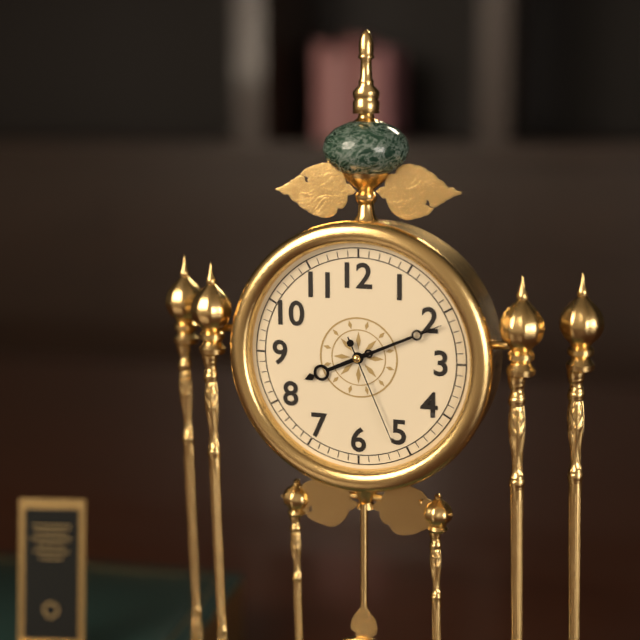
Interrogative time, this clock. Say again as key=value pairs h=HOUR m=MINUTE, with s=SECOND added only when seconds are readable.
h=8 m=11 s=26
